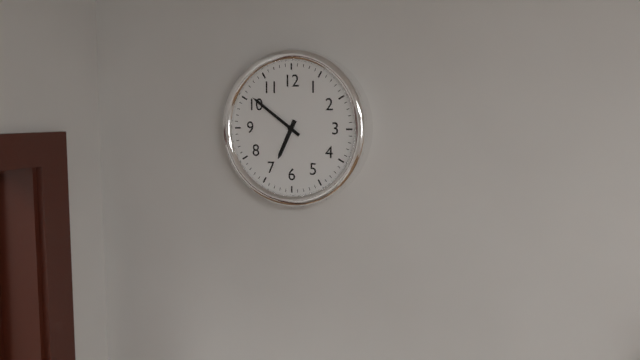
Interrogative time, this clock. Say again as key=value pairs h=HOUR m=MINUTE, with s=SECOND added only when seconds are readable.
h=6 m=51
